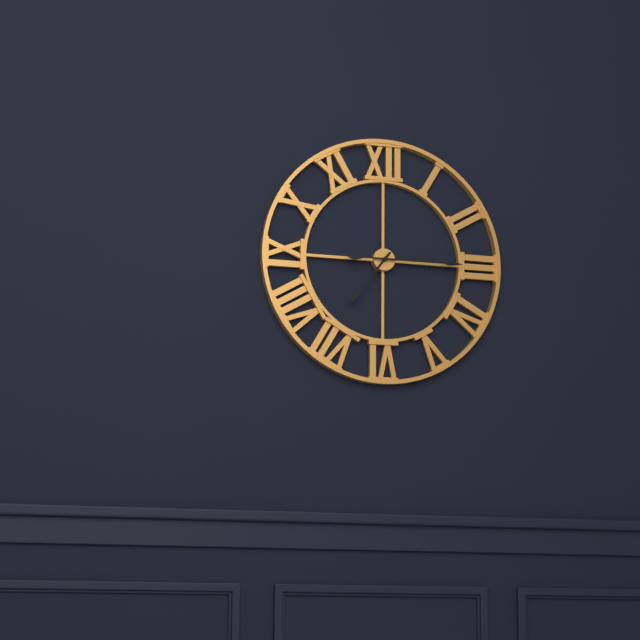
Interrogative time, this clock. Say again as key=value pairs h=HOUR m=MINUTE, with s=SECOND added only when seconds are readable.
h=7 m=15
